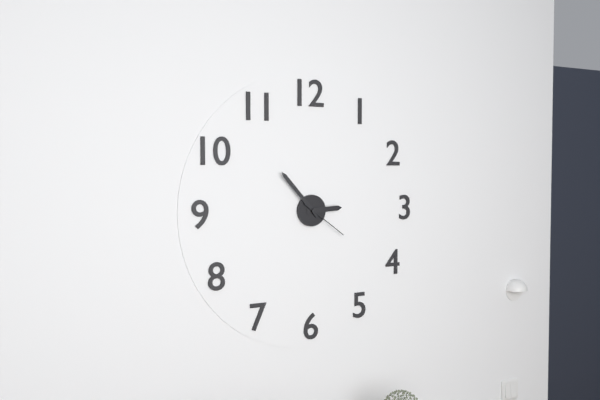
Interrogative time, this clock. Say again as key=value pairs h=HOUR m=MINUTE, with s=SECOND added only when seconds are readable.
h=2 m=53
